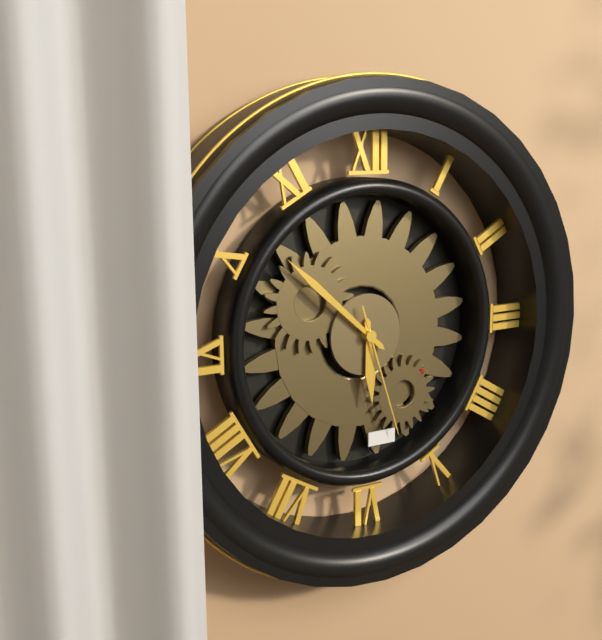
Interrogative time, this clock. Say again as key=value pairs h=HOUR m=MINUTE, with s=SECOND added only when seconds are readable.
h=5 m=52 s=27
